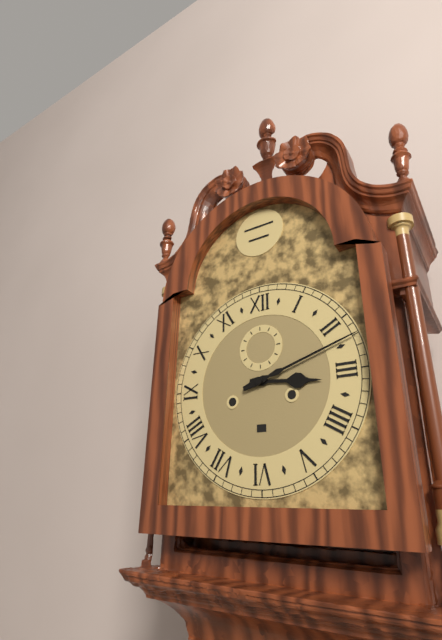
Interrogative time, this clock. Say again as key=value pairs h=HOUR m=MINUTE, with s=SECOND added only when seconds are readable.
h=3 m=12
